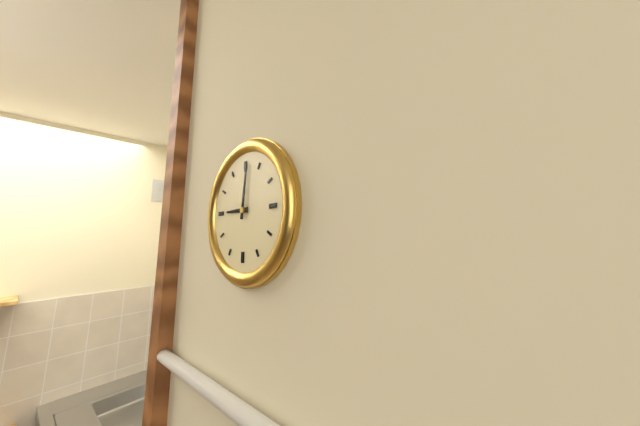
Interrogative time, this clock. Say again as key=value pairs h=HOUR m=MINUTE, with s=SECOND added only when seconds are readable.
h=9 m=1
